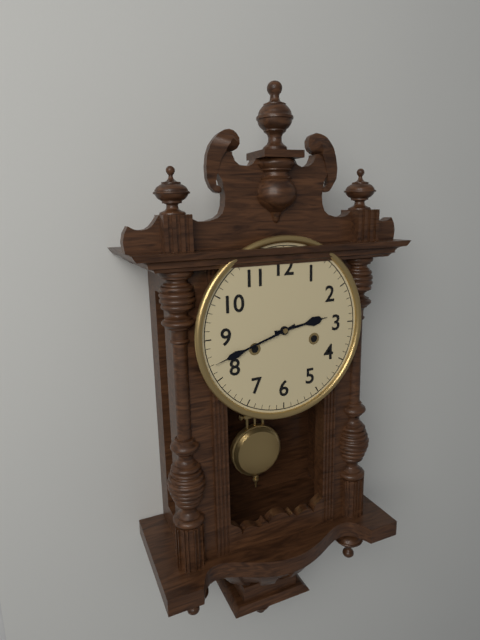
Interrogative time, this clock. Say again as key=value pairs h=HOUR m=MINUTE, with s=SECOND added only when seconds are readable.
h=2 m=42
